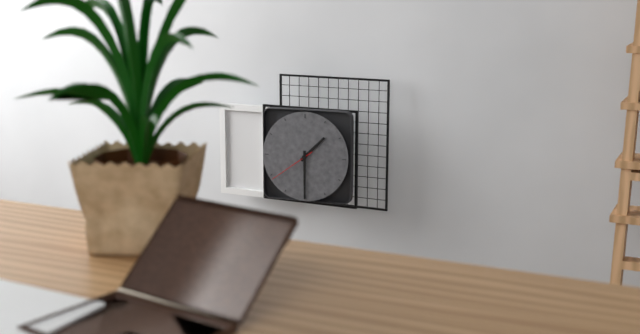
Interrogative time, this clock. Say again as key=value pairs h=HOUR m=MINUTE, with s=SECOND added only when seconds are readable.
h=1 m=30 s=39
